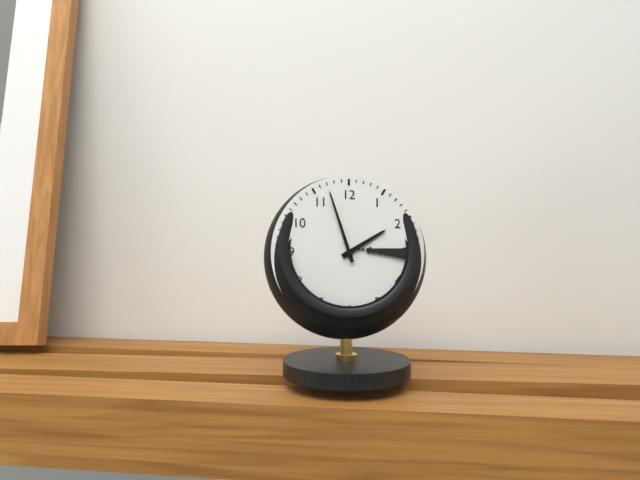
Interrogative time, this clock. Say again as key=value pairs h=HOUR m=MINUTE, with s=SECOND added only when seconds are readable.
h=1 m=57
